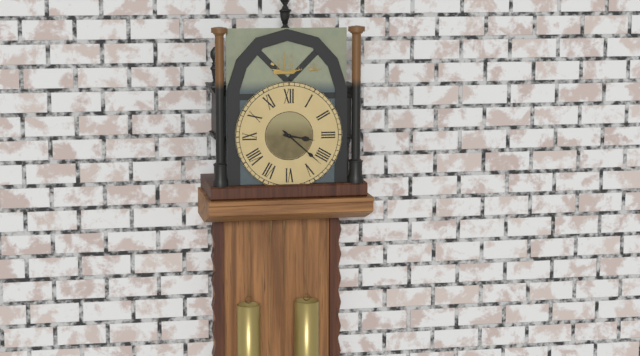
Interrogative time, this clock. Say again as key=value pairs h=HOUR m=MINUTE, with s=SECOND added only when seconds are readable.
h=3 m=22
